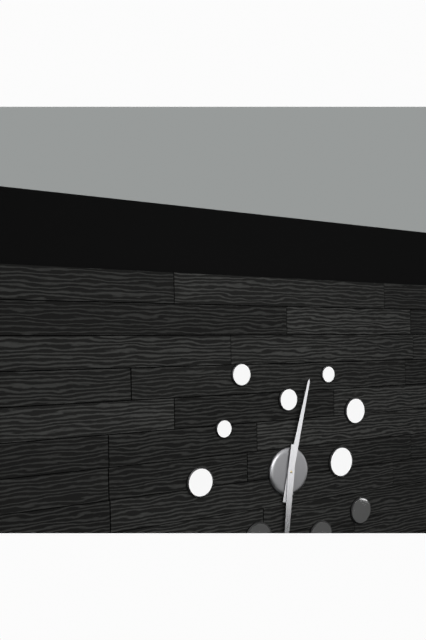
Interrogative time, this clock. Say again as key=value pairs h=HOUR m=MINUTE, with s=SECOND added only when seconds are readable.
h=12 m=31
